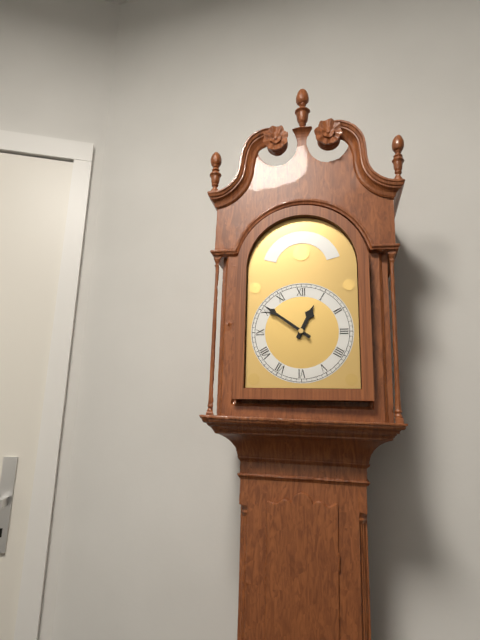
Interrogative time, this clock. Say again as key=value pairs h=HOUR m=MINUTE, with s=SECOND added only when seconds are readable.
h=12 m=51
